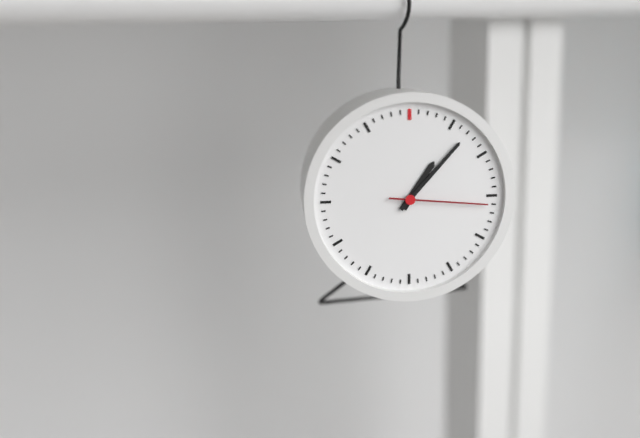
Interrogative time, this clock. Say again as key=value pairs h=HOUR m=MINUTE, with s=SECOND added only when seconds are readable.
h=1 m=7 s=16
